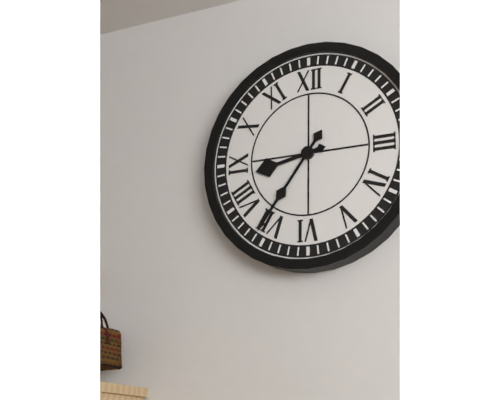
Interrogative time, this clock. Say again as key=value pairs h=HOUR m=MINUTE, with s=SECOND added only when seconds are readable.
h=8 m=36
